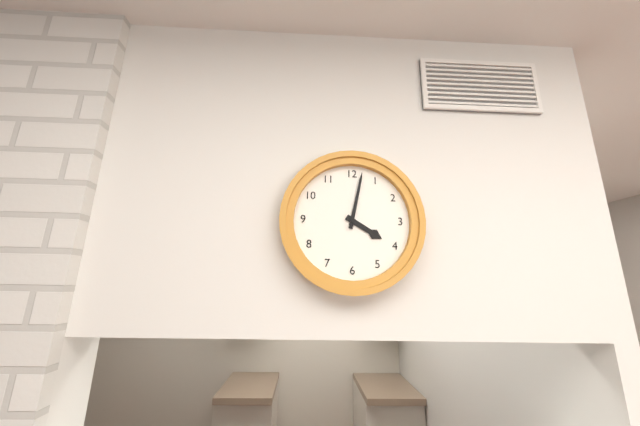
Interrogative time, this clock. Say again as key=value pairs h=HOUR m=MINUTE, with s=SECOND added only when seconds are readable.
h=4 m=2
